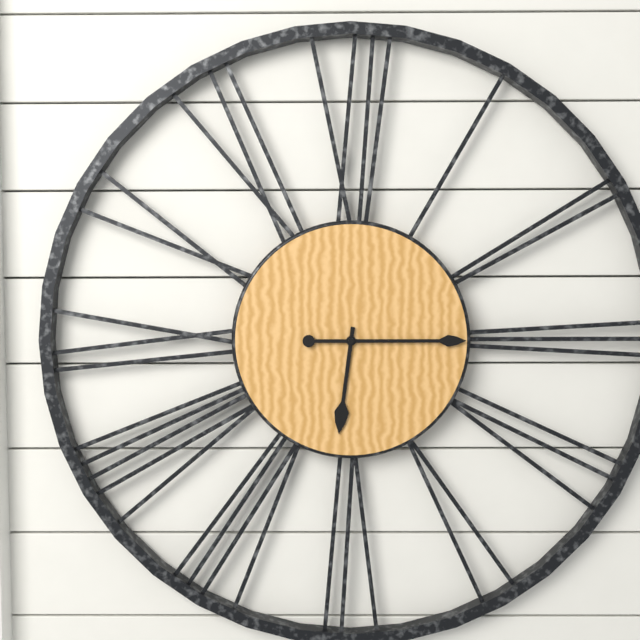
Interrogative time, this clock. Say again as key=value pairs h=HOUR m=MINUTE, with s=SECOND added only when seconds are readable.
h=6 m=15
